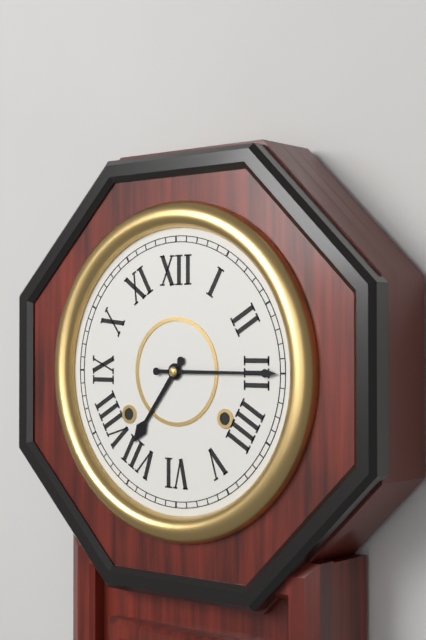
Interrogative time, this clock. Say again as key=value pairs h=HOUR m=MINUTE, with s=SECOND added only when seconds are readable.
h=7 m=15
